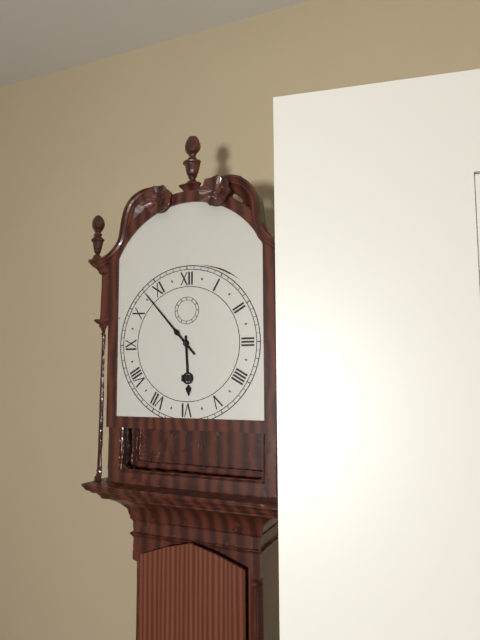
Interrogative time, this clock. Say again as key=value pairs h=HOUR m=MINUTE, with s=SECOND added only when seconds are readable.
h=5 m=53
